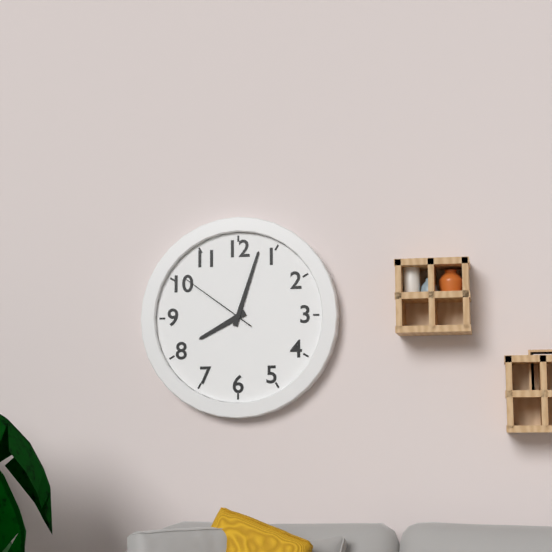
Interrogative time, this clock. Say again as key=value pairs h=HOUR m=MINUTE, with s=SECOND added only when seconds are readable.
h=8 m=3 s=51
